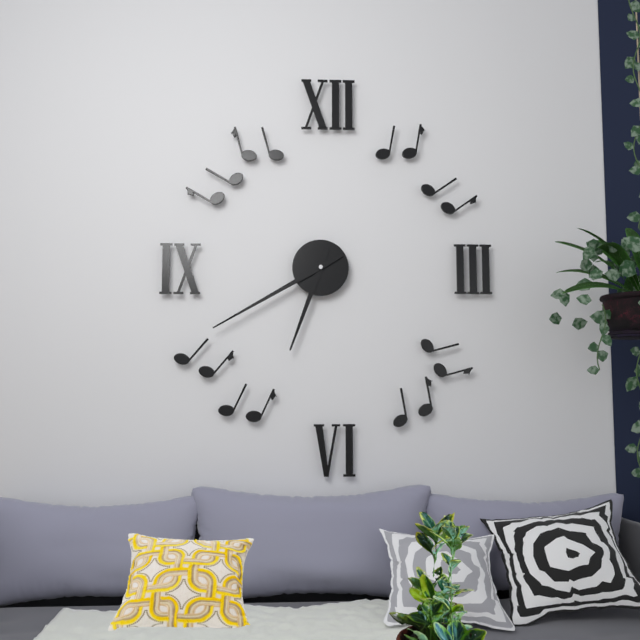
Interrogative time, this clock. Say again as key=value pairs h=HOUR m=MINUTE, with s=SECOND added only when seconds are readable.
h=6 m=40
